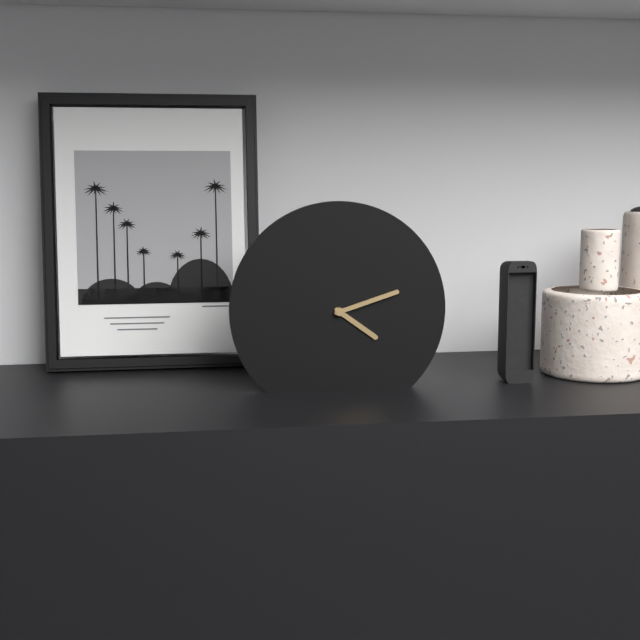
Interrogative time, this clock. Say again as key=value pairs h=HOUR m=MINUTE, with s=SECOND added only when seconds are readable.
h=4 m=12
